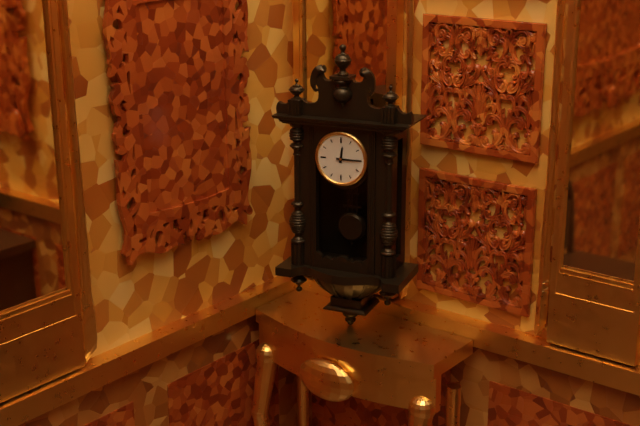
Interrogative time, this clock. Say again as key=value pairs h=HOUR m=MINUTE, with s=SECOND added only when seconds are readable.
h=12 m=15
